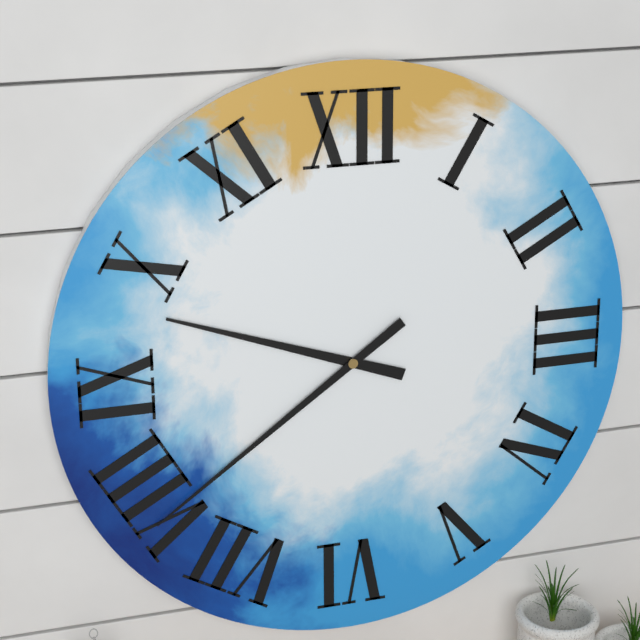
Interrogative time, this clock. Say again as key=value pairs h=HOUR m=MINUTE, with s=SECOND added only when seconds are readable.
h=9 m=39
